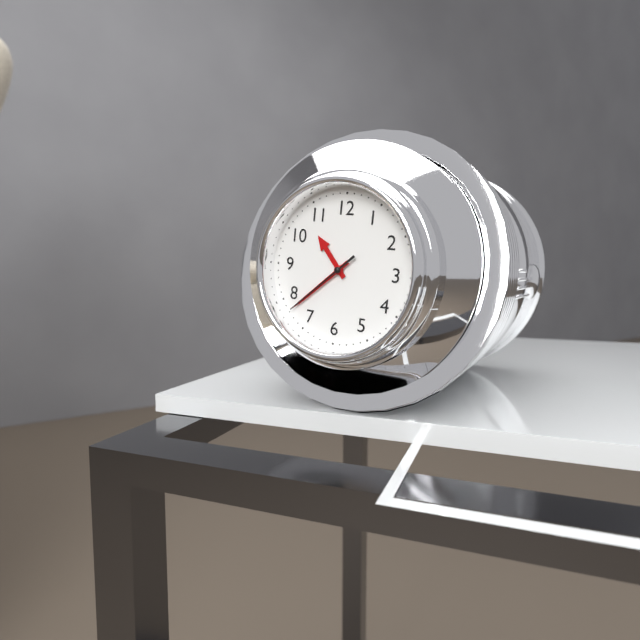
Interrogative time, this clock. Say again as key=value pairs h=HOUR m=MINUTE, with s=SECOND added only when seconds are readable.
h=10 m=38 s=38
